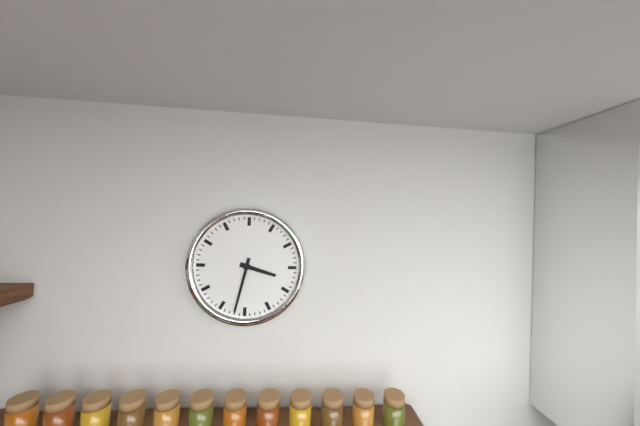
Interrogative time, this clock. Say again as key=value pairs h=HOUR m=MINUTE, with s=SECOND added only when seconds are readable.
h=3 m=32
